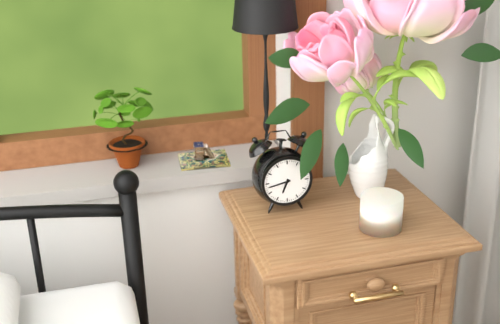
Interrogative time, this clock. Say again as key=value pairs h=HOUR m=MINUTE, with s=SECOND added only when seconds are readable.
h=6 m=43
